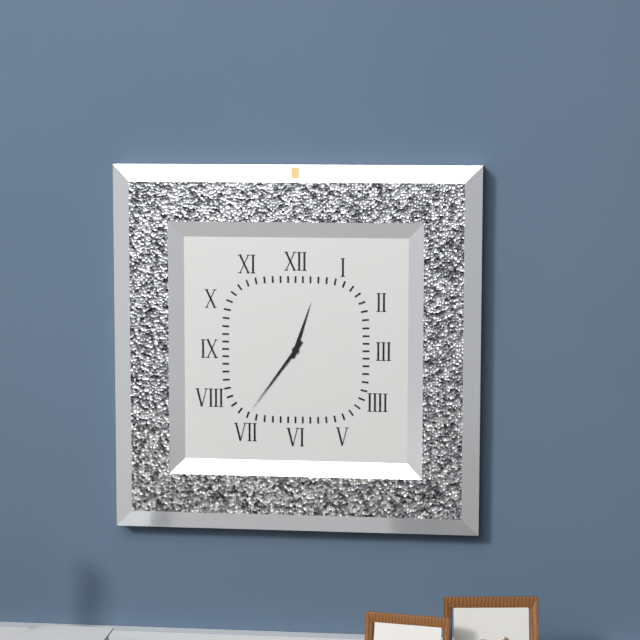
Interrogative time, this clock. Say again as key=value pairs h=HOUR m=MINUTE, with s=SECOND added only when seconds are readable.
h=12 m=36
